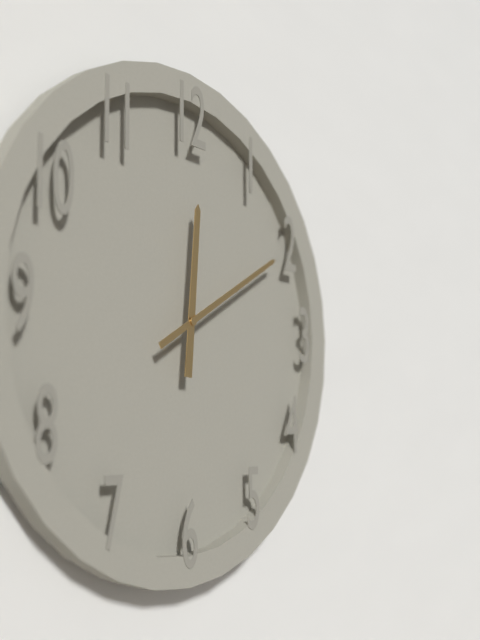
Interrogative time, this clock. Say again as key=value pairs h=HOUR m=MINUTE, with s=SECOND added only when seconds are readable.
h=12 m=10
